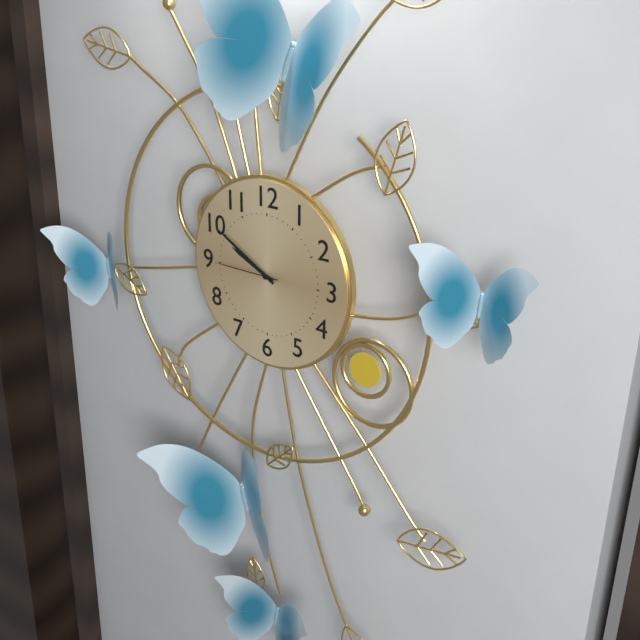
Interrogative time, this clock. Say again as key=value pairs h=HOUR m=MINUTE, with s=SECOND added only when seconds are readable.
h=9 m=50 s=45
